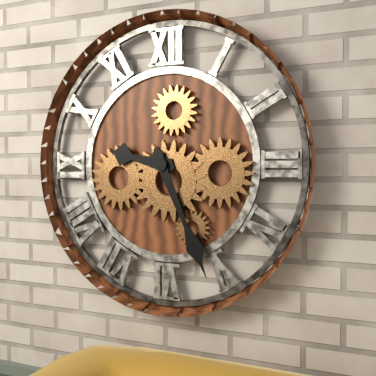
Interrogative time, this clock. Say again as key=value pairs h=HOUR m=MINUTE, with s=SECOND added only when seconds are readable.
h=9 m=26
